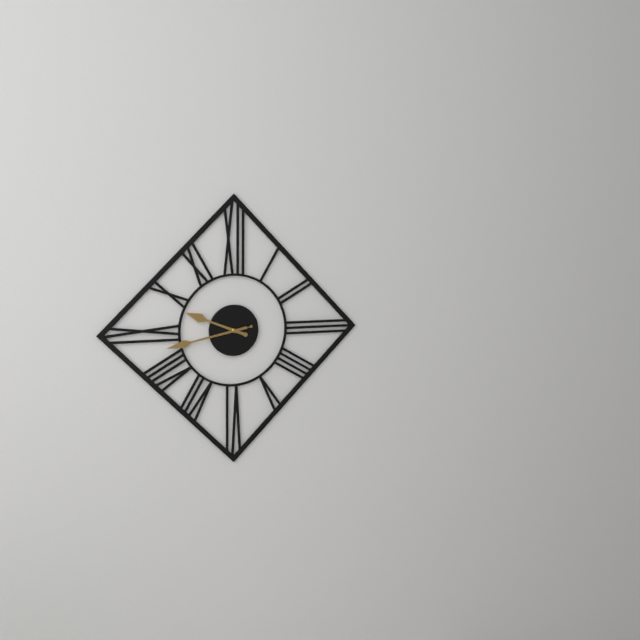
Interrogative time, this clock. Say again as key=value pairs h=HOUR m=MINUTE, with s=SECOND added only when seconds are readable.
h=9 m=43 s=43
